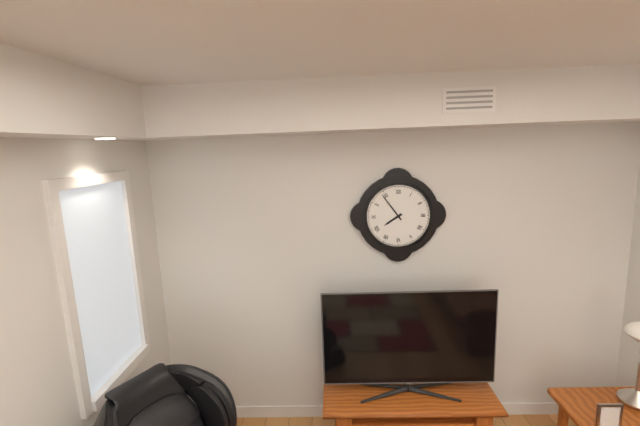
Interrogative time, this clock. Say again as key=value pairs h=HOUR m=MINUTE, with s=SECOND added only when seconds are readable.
h=7 m=54
